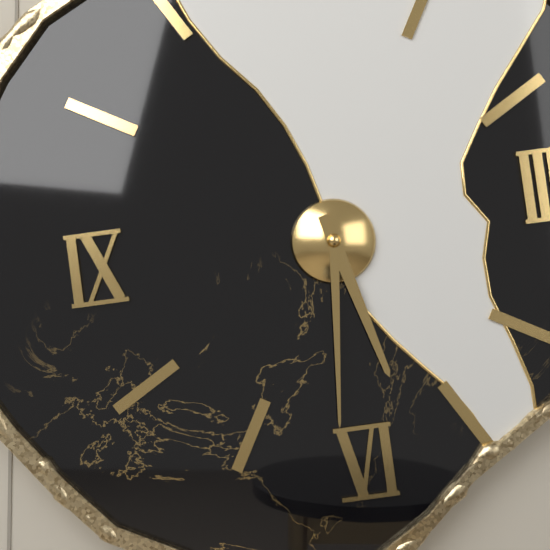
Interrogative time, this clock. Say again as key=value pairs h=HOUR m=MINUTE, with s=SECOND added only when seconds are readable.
h=5 m=31
